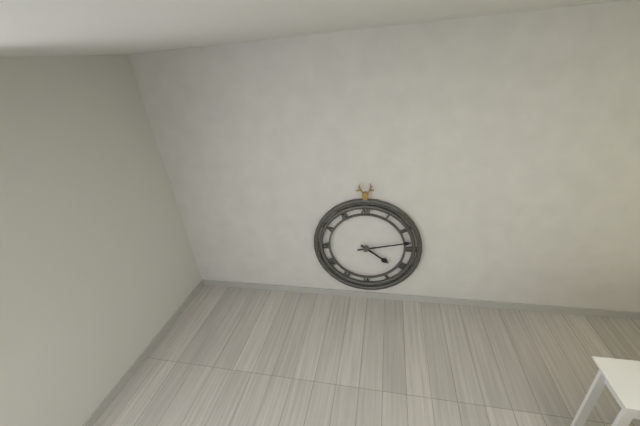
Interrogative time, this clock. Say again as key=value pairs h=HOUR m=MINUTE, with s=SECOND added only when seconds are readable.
h=4 m=13
